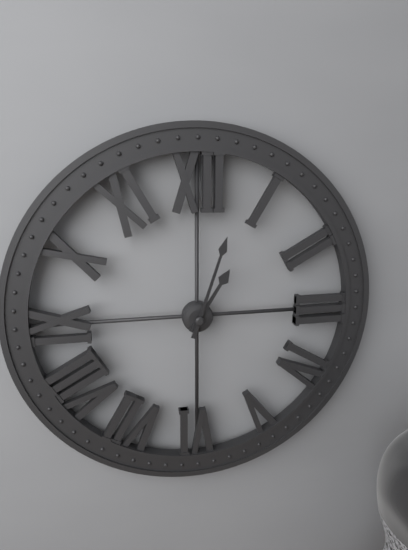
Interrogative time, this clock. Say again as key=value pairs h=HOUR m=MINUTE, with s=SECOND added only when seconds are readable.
h=1 m=3
